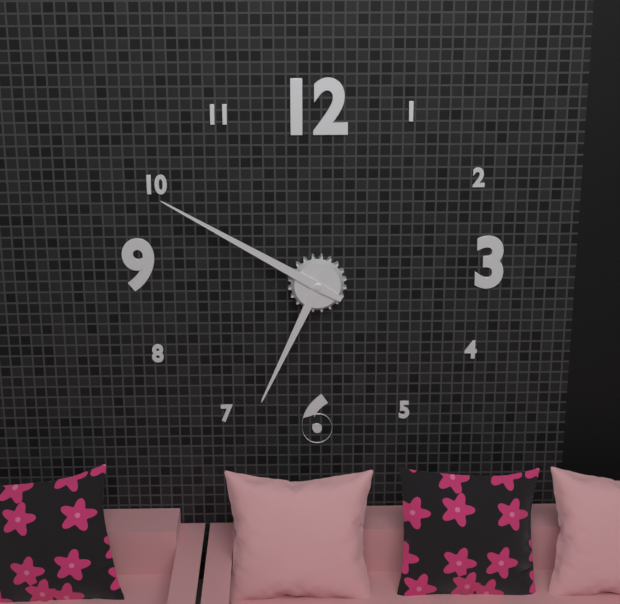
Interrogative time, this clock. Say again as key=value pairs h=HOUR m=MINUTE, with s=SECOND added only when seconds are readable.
h=6 m=50
